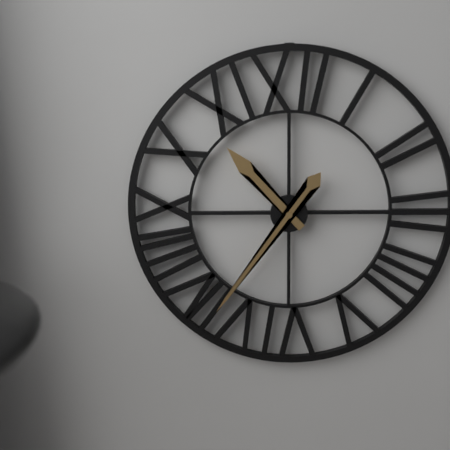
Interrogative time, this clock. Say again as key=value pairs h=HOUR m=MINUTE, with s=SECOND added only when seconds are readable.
h=10 m=36
